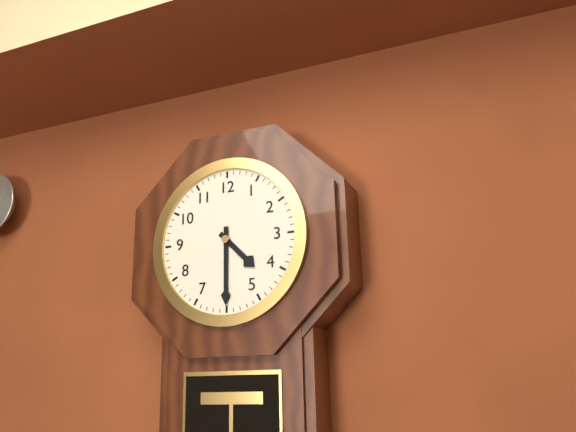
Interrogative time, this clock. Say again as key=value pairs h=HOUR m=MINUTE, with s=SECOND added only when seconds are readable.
h=4 m=30
